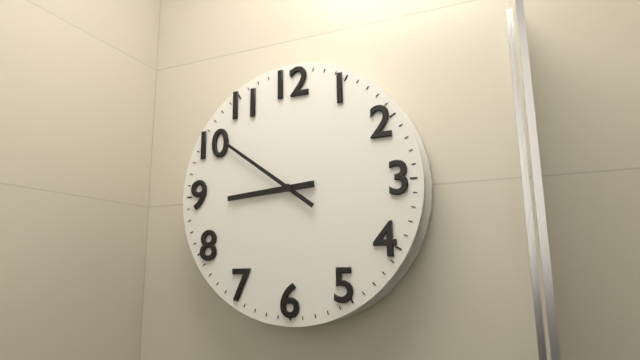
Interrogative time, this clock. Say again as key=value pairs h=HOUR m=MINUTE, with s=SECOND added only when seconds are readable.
h=8 m=51
